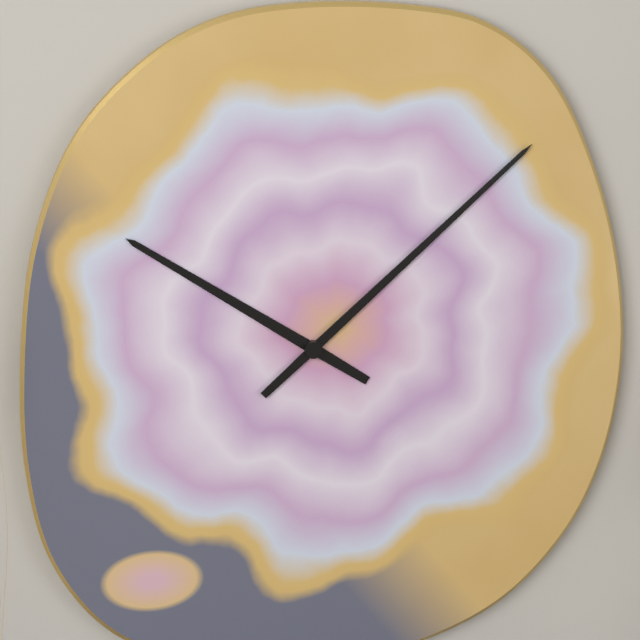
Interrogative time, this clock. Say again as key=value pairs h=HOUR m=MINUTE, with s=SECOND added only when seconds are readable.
h=10 m=8
